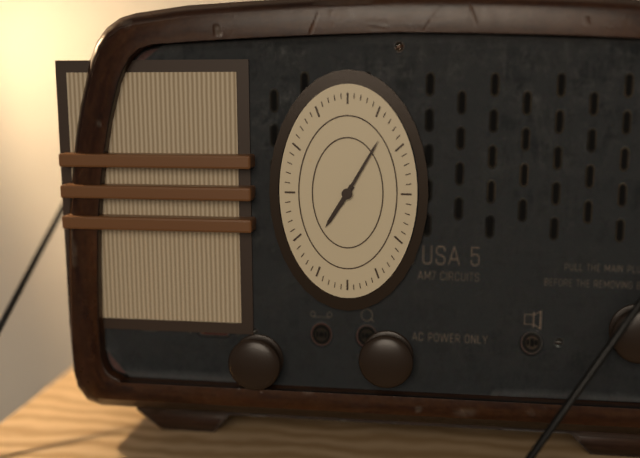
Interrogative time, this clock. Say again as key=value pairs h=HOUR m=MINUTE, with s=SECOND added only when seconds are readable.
h=7 m=5
